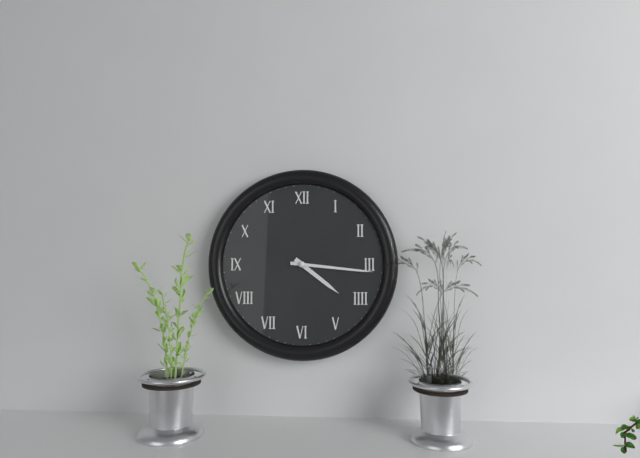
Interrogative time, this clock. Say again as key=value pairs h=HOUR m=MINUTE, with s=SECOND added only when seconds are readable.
h=4 m=16
